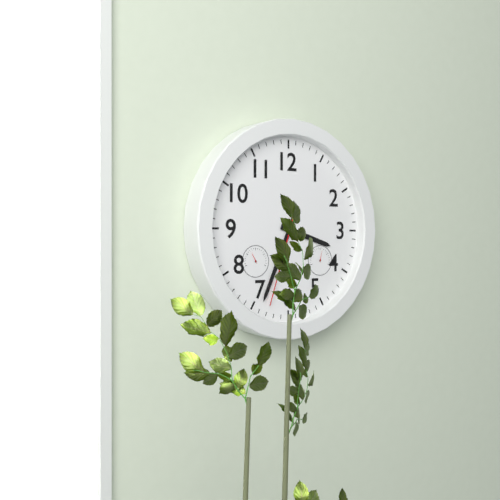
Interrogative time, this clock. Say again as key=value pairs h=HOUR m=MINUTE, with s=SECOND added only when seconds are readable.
h=3 m=34 s=33
